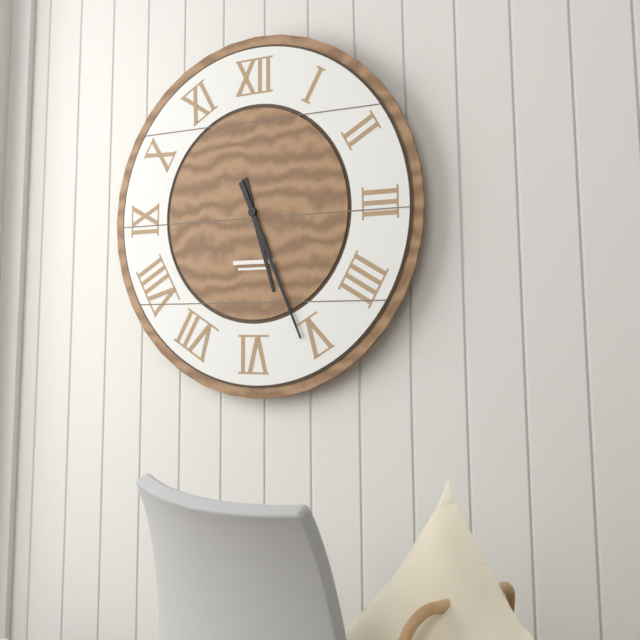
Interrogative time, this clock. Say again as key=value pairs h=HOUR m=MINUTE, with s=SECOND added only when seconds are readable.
h=5 m=26
